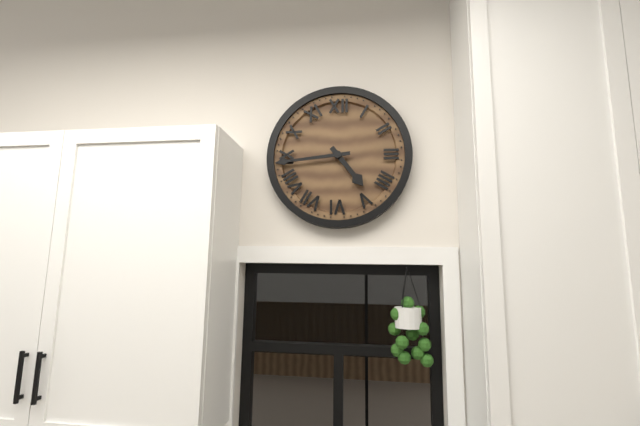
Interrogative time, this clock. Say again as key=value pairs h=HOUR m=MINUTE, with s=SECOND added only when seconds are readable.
h=4 m=44
